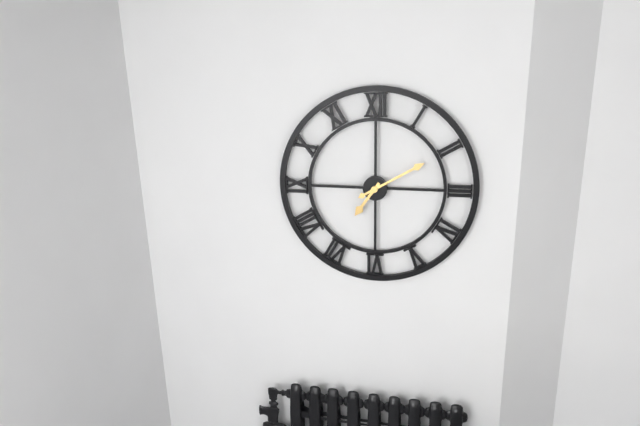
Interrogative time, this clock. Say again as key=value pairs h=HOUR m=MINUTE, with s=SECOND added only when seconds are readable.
h=7 m=10
